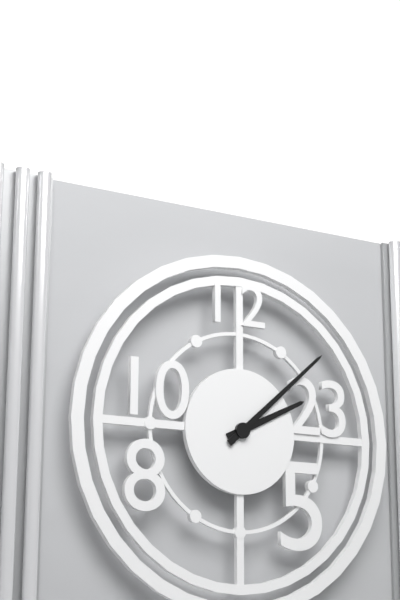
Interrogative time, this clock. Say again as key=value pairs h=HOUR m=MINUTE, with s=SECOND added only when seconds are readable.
h=2 m=8
